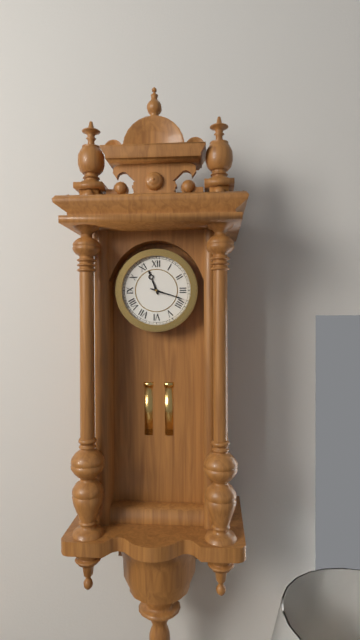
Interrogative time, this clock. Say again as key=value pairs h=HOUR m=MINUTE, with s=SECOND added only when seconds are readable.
h=11 m=18
